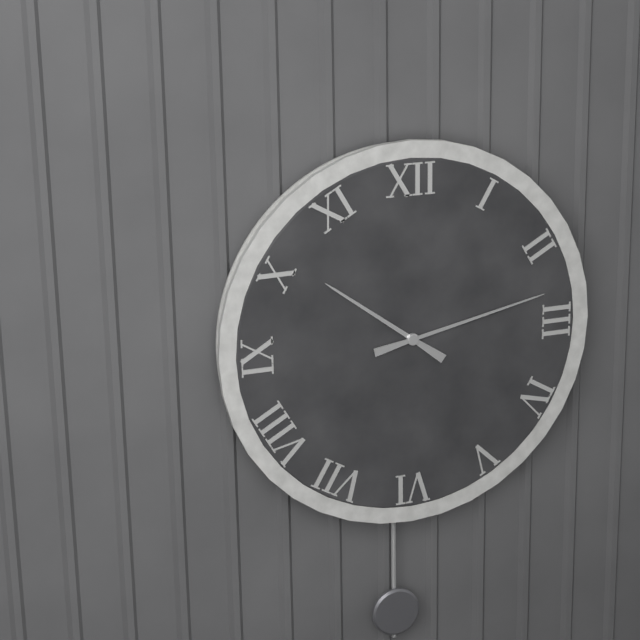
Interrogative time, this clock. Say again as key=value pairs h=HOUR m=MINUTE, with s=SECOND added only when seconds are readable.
h=10 m=13
